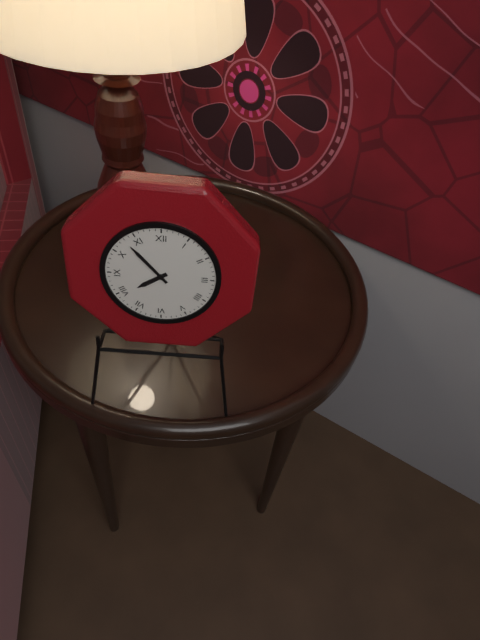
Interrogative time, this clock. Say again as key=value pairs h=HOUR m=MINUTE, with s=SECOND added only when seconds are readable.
h=7 m=53
